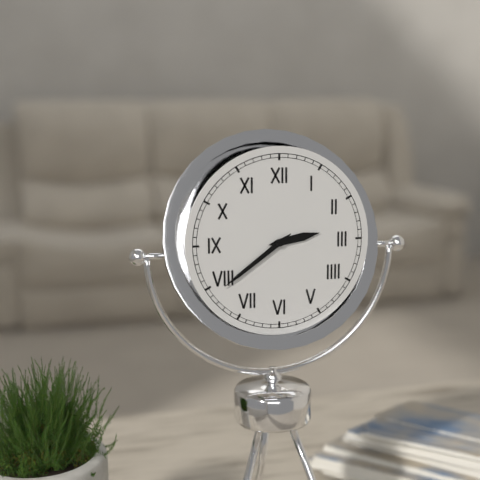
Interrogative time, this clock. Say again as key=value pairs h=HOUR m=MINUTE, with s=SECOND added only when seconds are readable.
h=2 m=39
